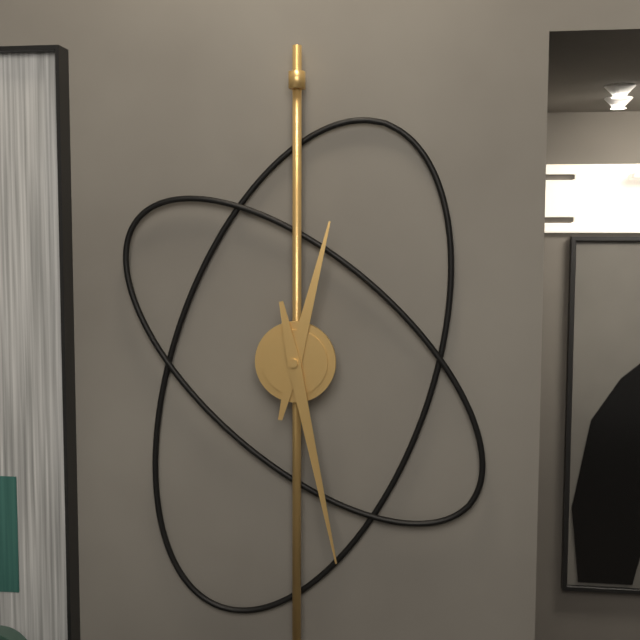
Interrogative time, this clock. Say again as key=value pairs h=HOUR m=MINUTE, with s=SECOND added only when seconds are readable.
h=12 m=28
